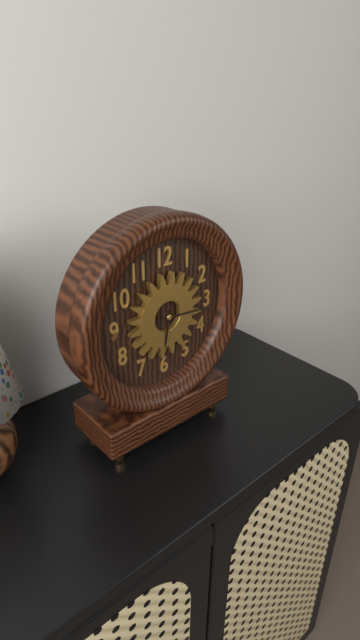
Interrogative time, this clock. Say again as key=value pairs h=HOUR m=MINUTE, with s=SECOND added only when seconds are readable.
h=6 m=16
